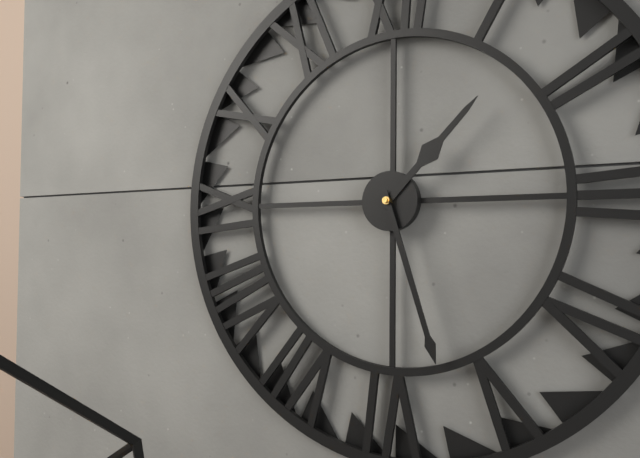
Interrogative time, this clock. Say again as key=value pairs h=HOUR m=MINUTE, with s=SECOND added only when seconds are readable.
h=1 m=27
